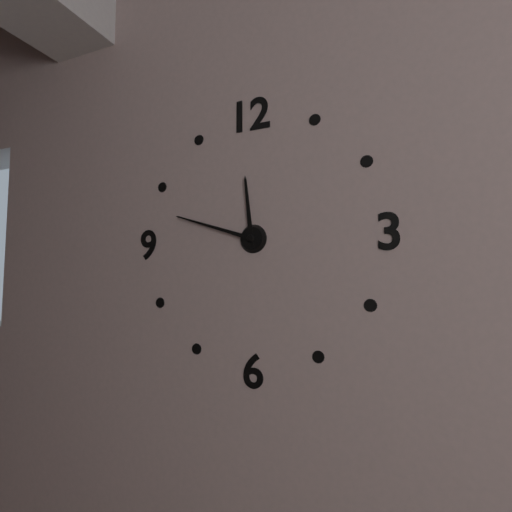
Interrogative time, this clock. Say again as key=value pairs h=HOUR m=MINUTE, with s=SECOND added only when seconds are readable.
h=11 m=48
